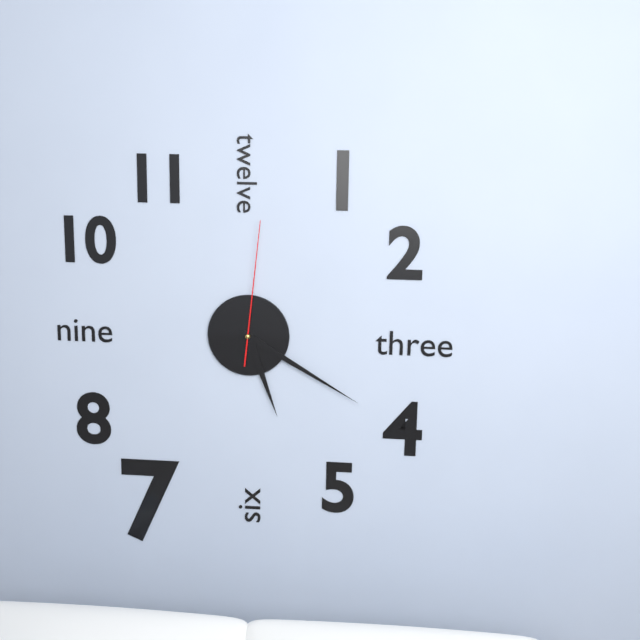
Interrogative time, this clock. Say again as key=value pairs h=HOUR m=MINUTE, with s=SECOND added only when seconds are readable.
h=5 m=20 s=1
